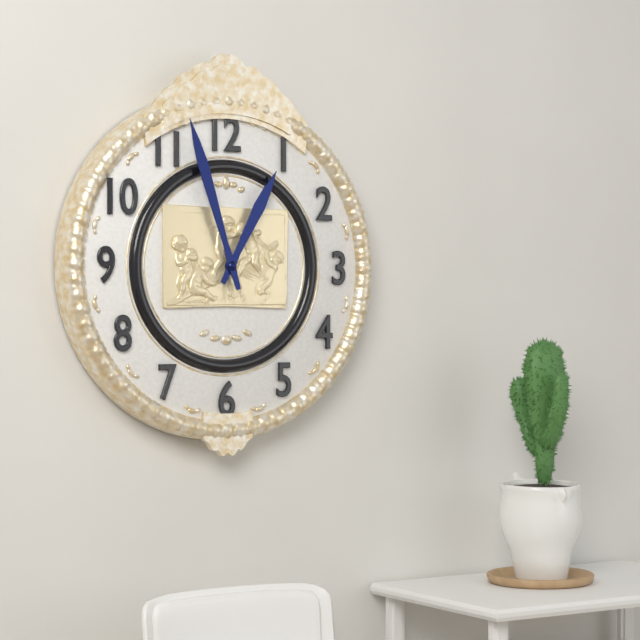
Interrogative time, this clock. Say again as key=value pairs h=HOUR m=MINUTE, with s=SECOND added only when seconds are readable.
h=12 m=57
